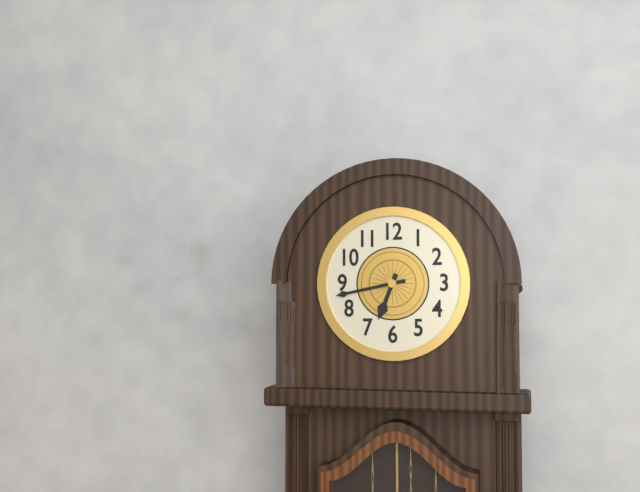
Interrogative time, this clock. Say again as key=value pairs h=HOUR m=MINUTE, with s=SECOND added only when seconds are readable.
h=6 m=43
